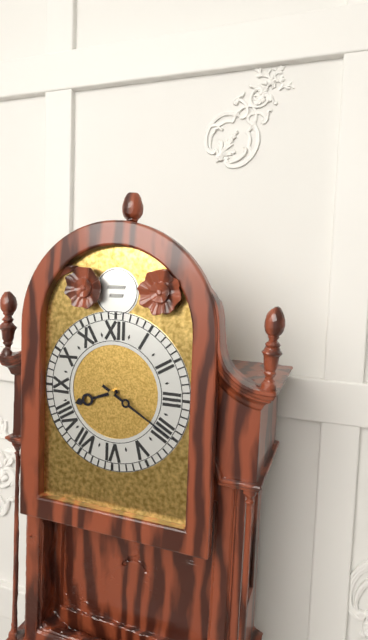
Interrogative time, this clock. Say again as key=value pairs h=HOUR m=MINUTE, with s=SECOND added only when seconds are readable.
h=8 m=20
